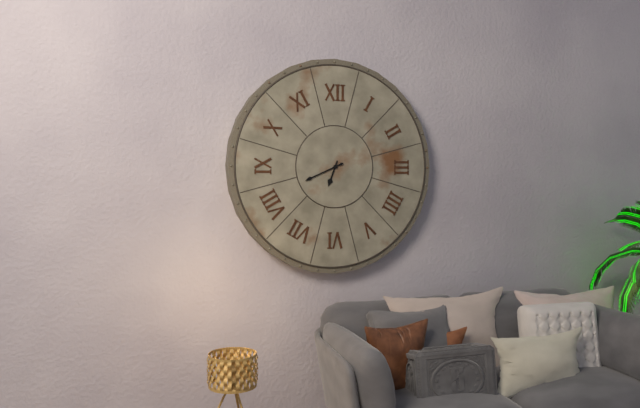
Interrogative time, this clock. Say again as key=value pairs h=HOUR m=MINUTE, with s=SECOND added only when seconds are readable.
h=6 m=41
